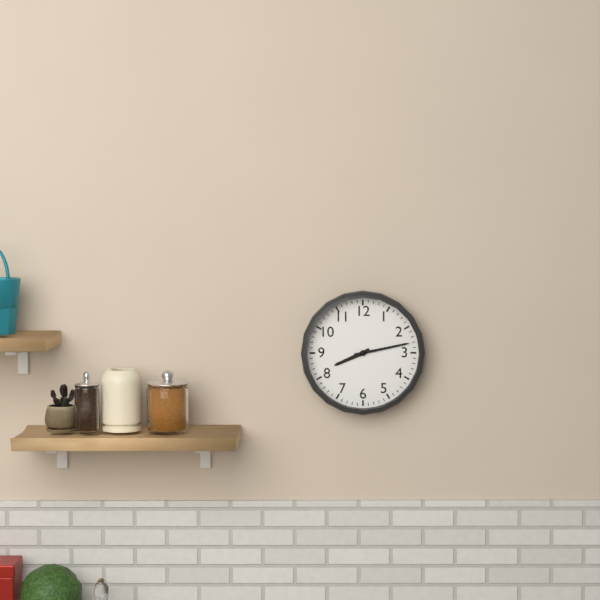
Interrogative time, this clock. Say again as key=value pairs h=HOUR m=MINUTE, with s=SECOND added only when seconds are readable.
h=8 m=13
